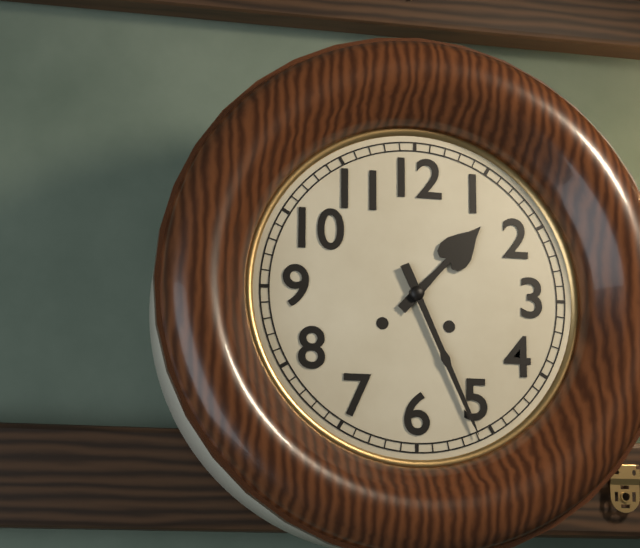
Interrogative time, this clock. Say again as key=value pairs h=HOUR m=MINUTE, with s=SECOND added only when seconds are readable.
h=1 m=26
